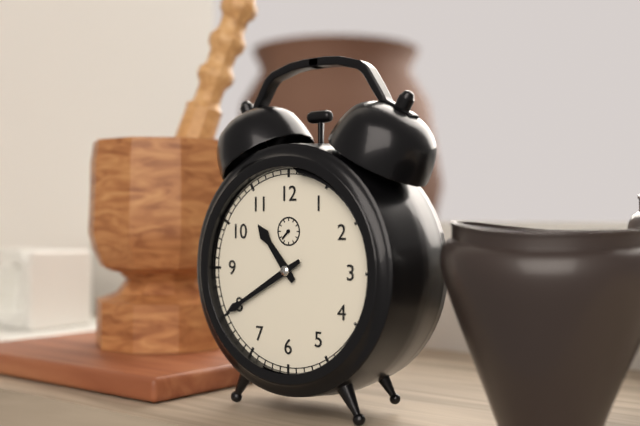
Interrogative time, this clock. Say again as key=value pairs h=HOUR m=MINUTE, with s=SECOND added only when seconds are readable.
h=10 m=40
